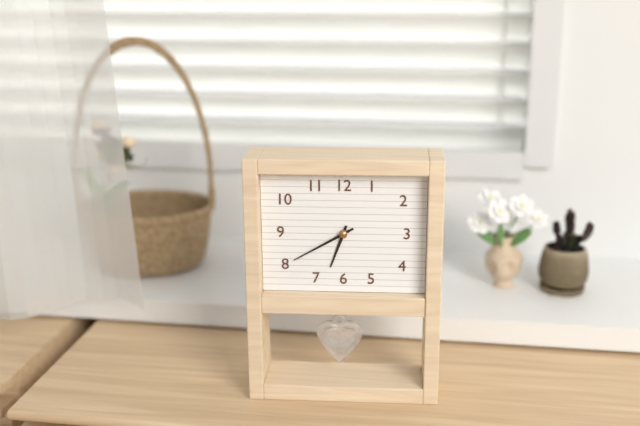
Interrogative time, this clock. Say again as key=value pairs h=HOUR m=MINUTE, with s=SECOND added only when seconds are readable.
h=6 m=40
